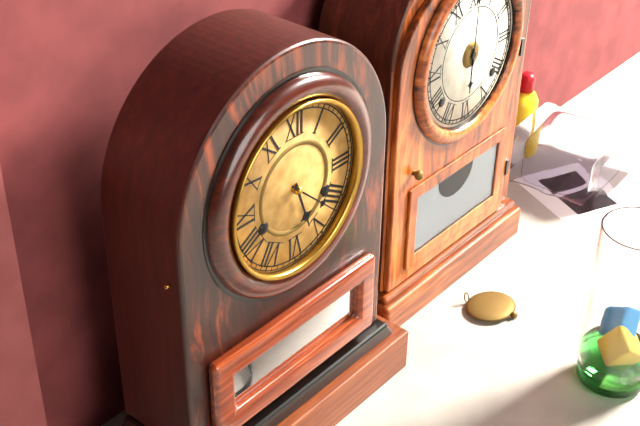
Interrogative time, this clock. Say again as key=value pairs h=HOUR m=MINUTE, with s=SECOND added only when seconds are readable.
h=5 m=22
